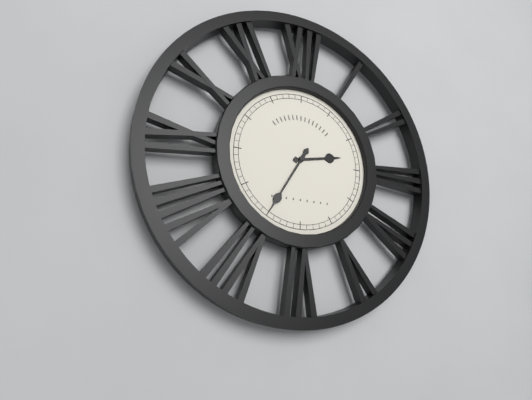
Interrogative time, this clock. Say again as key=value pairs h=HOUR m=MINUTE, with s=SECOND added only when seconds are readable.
h=2 m=35
